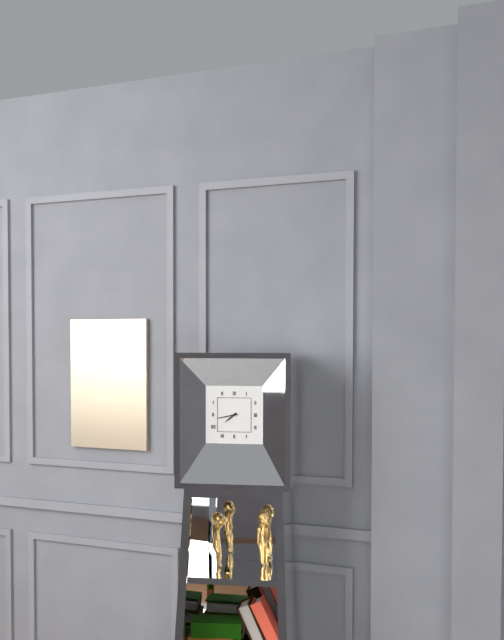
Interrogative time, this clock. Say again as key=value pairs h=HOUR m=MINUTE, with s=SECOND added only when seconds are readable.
h=7 m=43
